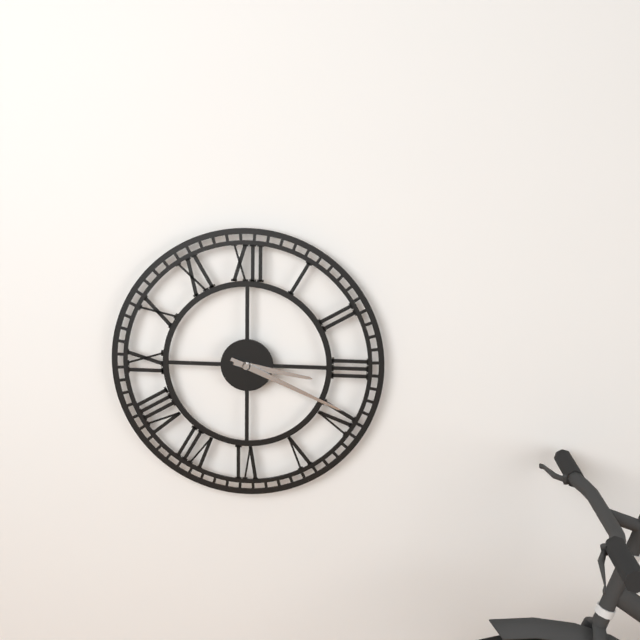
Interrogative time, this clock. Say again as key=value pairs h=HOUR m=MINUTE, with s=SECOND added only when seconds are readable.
h=3 m=19
